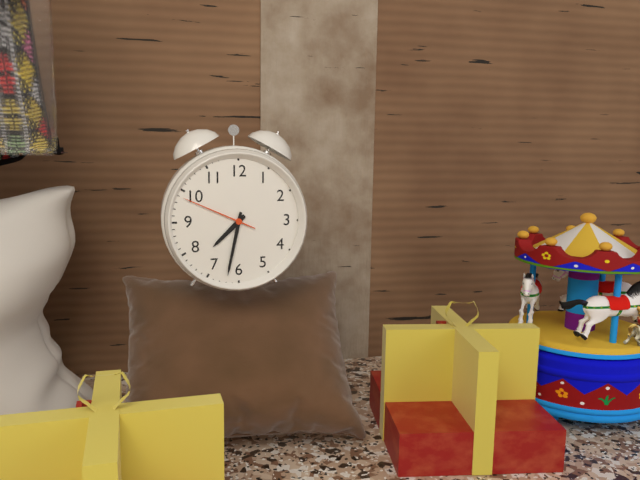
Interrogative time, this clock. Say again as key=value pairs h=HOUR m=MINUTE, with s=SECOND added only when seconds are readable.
h=7 m=32 s=49
